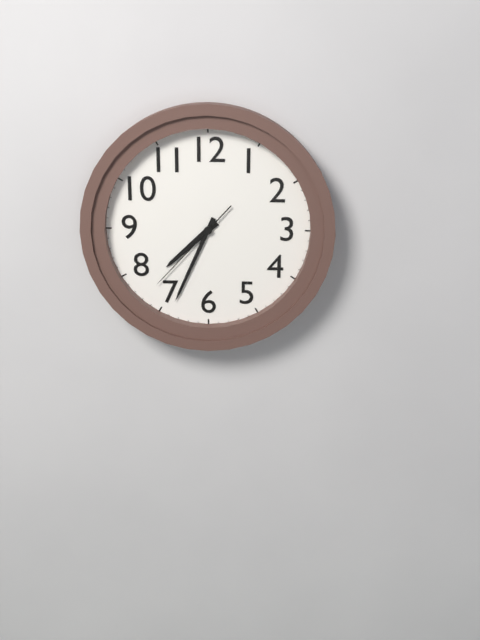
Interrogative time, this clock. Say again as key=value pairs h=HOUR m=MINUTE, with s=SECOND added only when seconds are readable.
h=7 m=34 s=37
